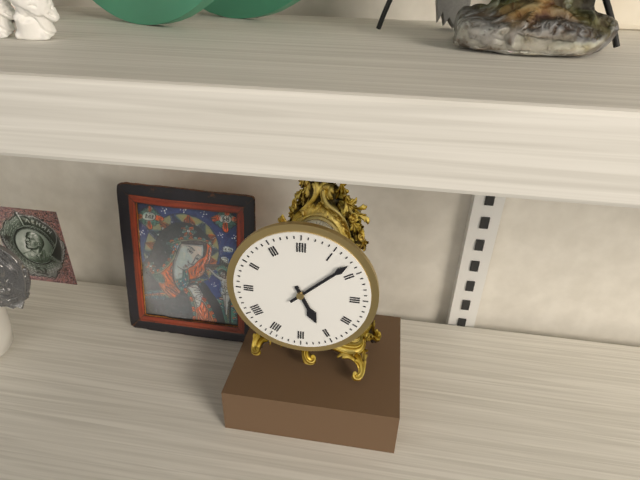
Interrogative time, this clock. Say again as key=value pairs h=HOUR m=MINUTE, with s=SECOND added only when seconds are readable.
h=5 m=8
